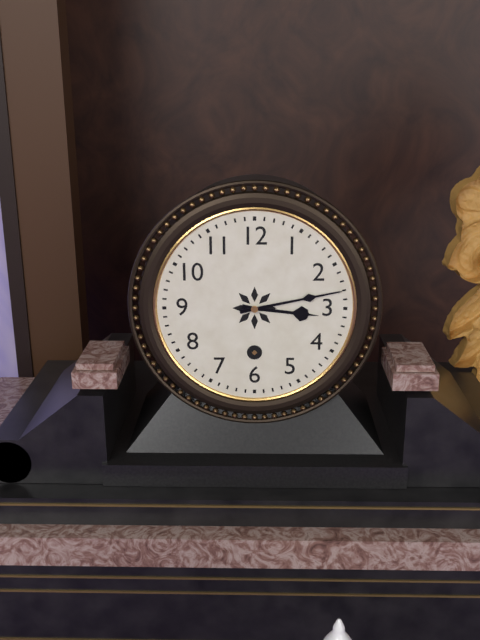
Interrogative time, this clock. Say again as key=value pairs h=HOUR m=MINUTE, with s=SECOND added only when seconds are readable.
h=3 m=13
